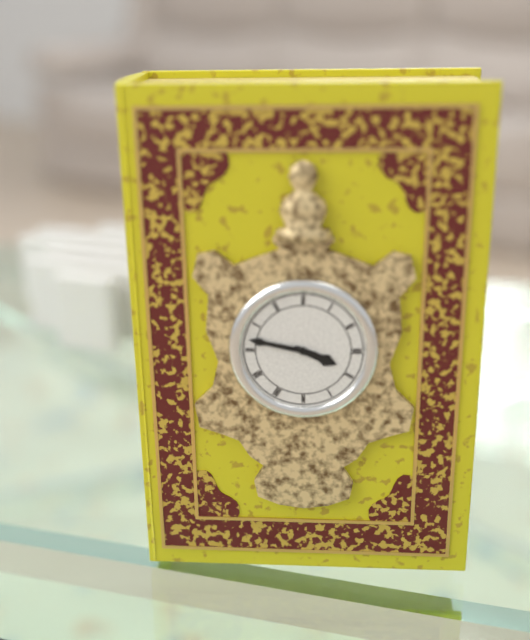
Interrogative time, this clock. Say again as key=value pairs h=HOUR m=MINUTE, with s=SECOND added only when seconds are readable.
h=3 m=47
